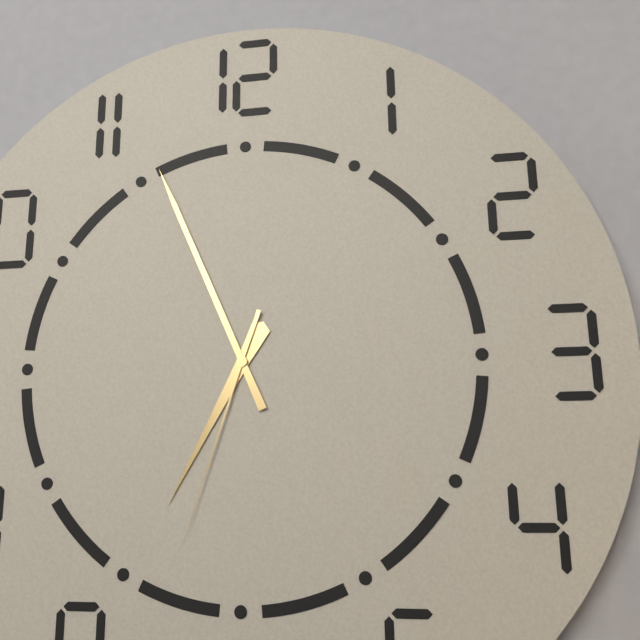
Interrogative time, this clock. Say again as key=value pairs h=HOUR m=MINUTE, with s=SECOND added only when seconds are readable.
h=6 m=56 s=33
